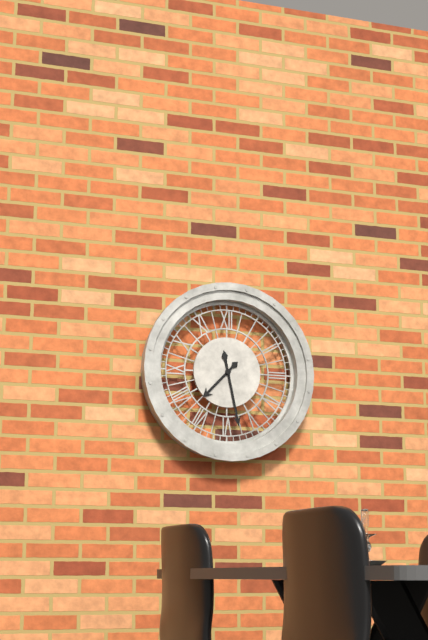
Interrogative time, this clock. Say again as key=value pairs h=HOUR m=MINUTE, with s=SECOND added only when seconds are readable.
h=7 m=28
